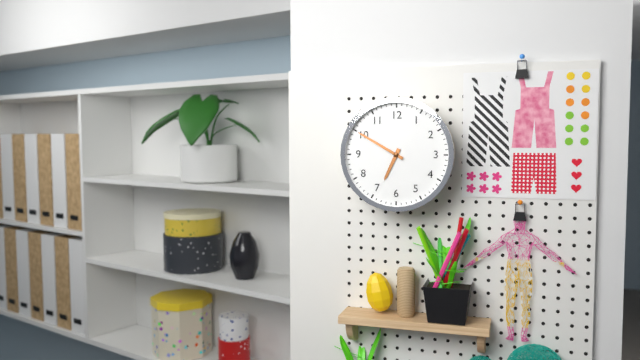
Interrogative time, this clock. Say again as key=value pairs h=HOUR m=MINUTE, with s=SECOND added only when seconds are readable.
h=6 m=50
